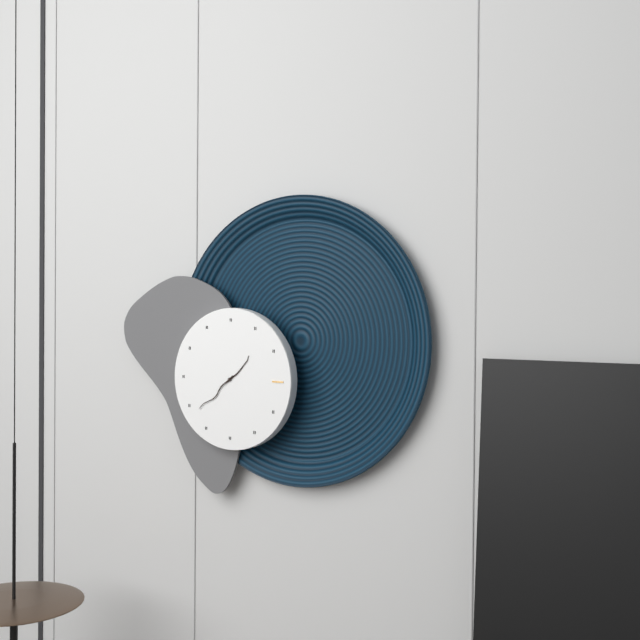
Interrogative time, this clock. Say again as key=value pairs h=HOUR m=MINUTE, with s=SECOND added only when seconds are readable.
h=1 m=38
